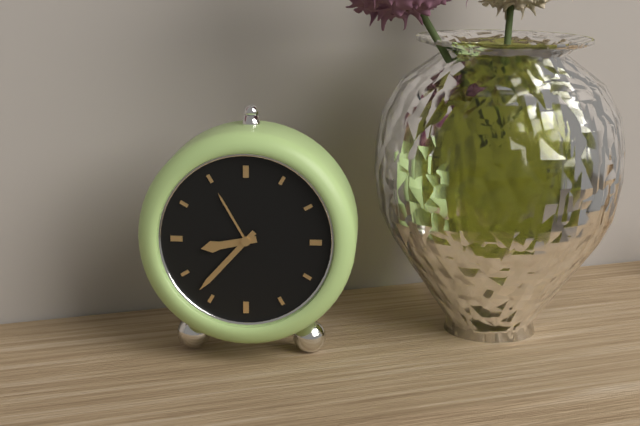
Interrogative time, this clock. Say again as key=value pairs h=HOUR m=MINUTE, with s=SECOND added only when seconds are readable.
h=8 m=37
